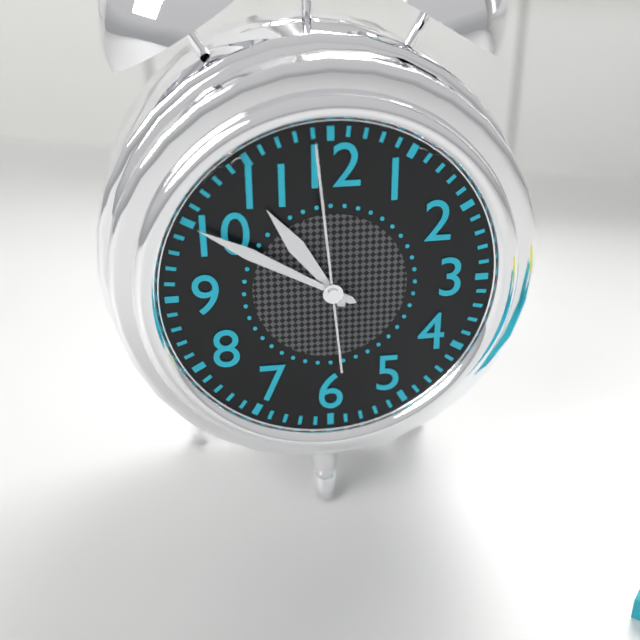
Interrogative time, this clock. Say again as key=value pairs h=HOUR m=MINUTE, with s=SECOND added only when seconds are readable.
h=10 m=50 s=59
